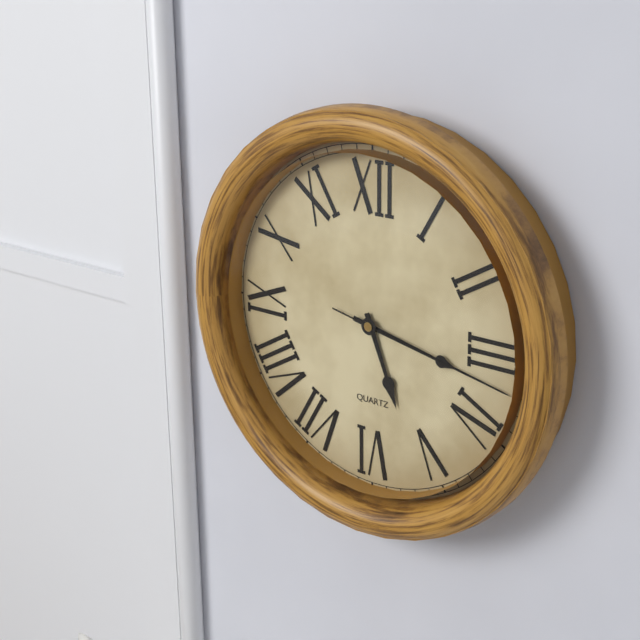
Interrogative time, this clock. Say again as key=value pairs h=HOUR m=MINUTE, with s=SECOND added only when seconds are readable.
h=5 m=17 s=17
